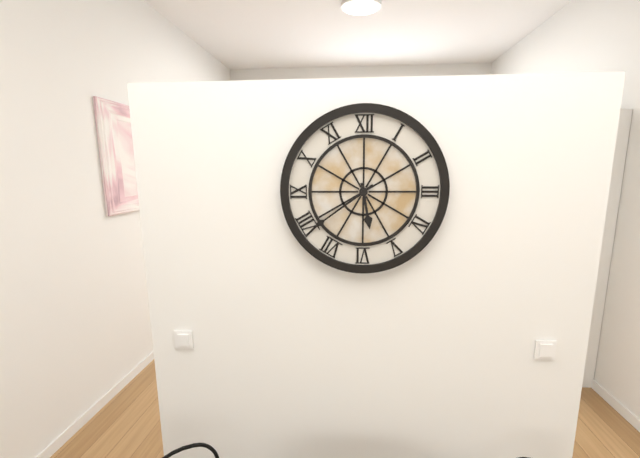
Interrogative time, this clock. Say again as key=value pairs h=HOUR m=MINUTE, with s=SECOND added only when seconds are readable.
h=5 m=39
